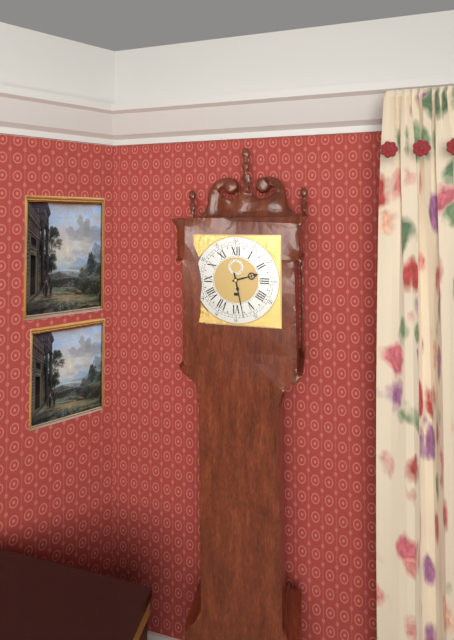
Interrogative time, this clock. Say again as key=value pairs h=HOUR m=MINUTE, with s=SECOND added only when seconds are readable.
h=2 m=28
